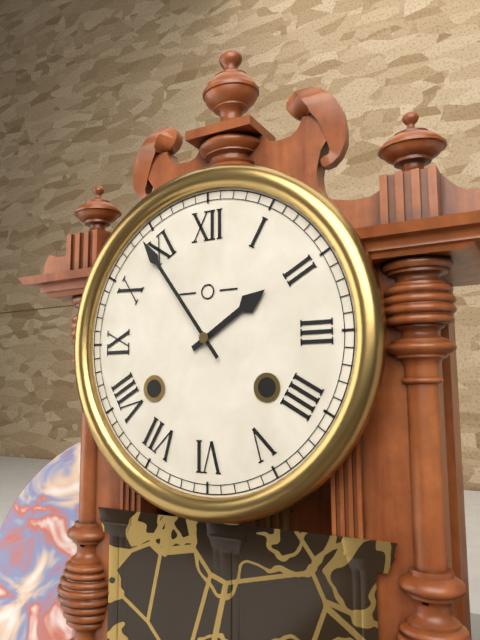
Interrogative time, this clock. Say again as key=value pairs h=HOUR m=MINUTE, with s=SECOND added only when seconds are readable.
h=1 m=54
